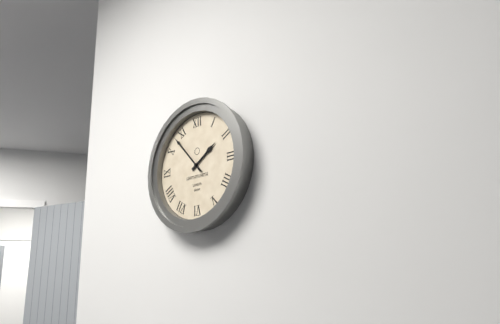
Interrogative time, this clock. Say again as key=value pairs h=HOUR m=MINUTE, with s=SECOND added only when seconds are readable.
h=1 m=53
